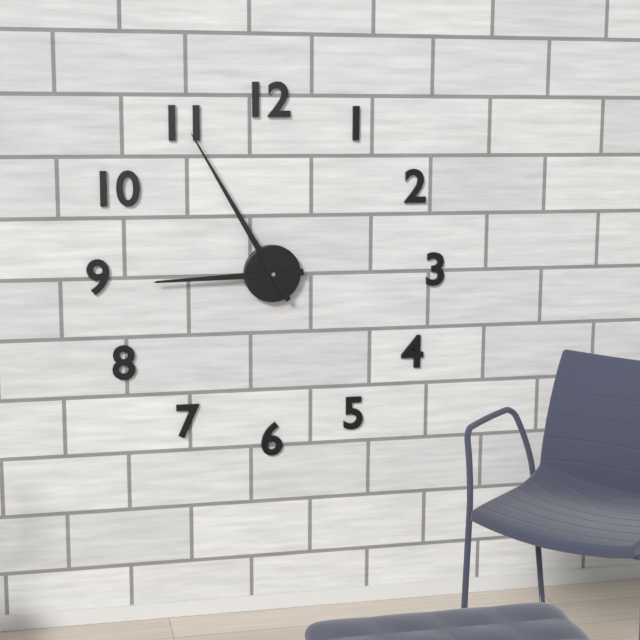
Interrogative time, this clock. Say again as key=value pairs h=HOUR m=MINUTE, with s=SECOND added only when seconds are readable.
h=8 m=55
